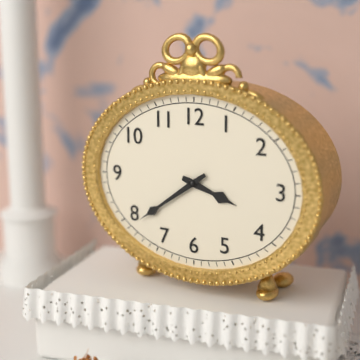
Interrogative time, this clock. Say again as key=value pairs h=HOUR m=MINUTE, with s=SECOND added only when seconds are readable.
h=3 m=39
